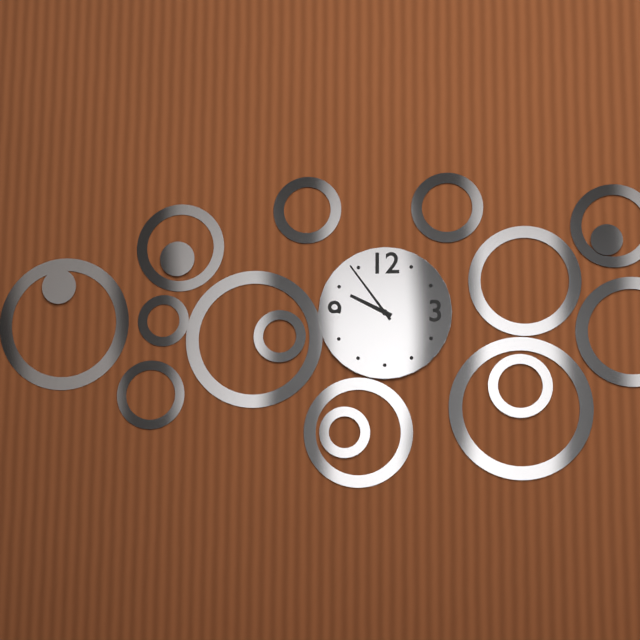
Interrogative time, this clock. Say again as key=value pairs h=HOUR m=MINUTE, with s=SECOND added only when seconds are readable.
h=9 m=54
